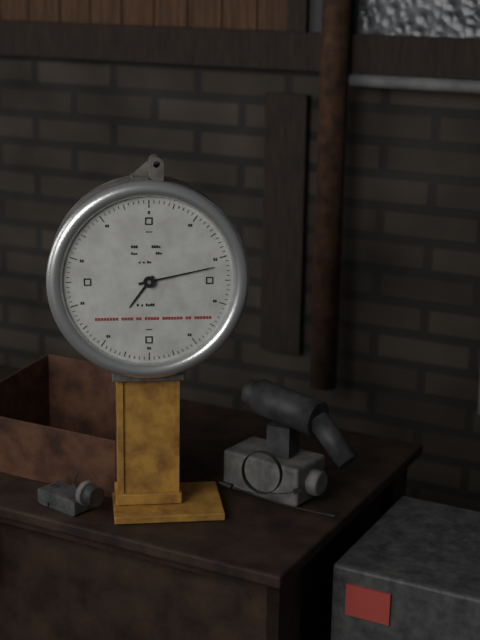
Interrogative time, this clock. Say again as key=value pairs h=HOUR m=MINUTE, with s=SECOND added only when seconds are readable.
h=7 m=13
